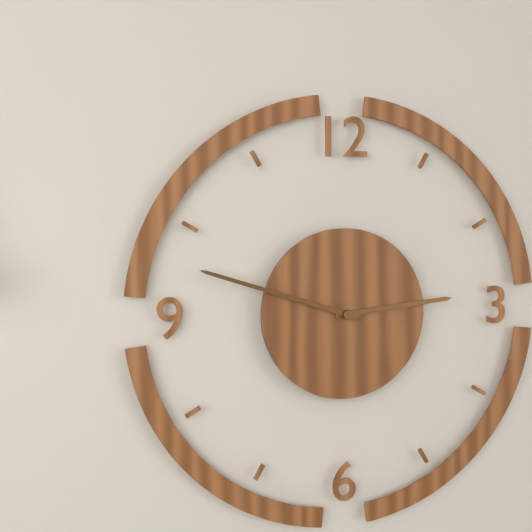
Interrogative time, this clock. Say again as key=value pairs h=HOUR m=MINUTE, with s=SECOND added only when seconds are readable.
h=2 m=48
